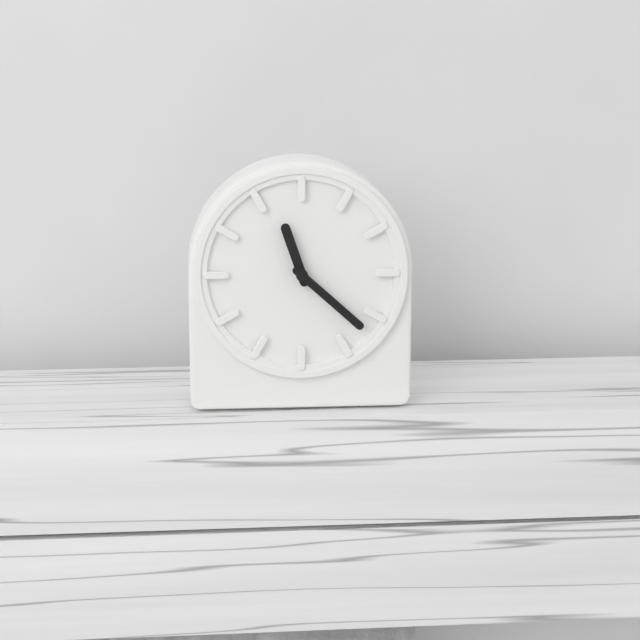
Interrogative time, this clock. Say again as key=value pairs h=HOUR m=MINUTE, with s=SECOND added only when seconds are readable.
h=11 m=22
